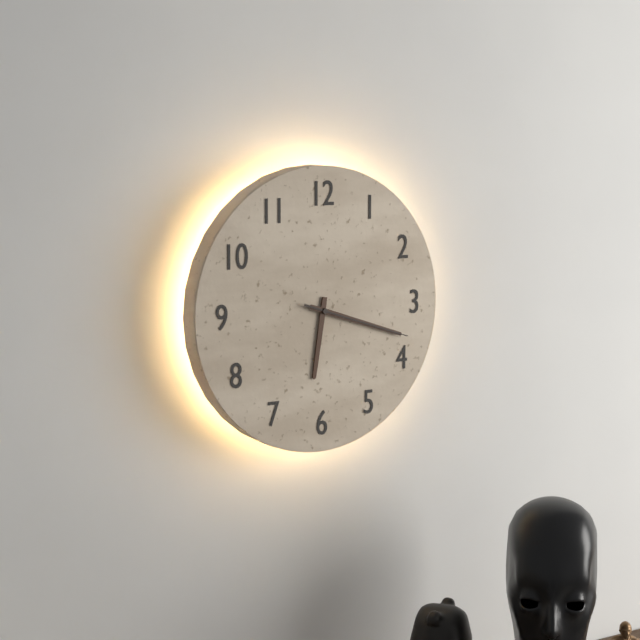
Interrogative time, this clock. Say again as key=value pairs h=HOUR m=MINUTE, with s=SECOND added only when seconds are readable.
h=6 m=18 s=18
